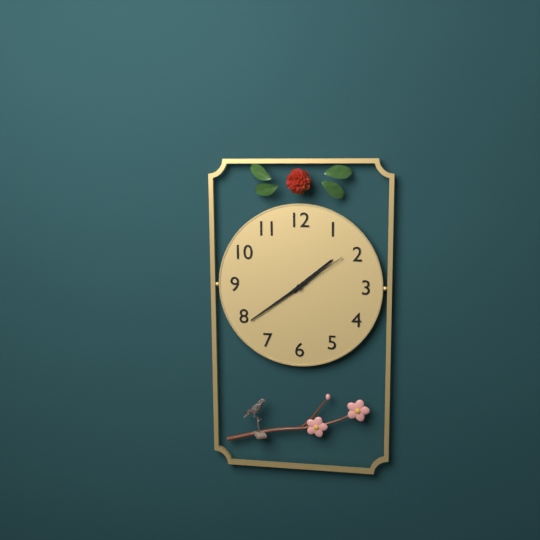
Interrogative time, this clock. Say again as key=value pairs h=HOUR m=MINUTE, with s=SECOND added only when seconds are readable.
h=1 m=39 s=9
